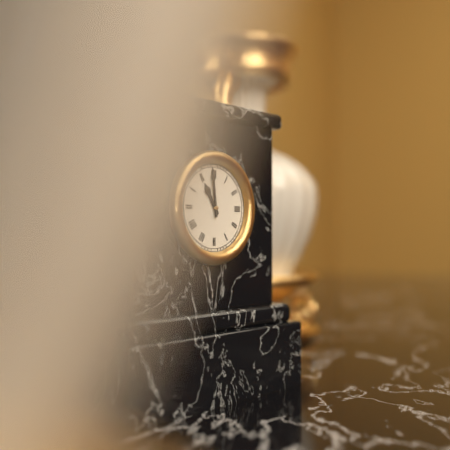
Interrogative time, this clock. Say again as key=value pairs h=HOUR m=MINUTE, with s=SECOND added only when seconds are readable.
h=10 m=59
